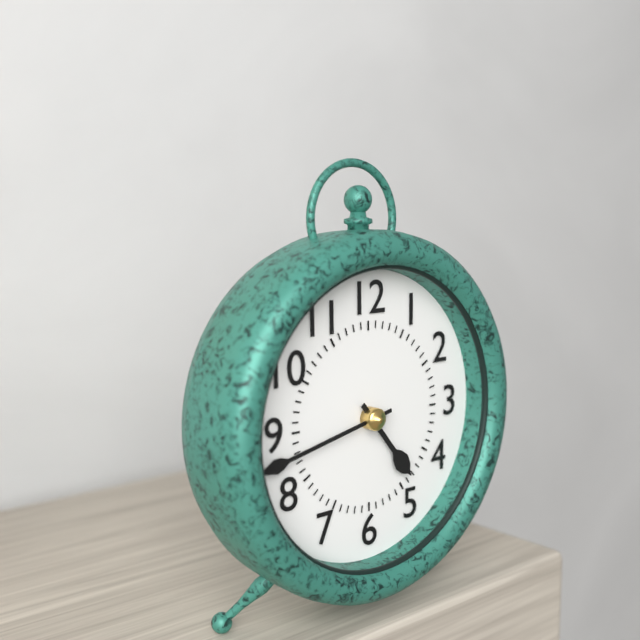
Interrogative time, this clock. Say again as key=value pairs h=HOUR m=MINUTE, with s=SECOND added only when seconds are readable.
h=4 m=43
